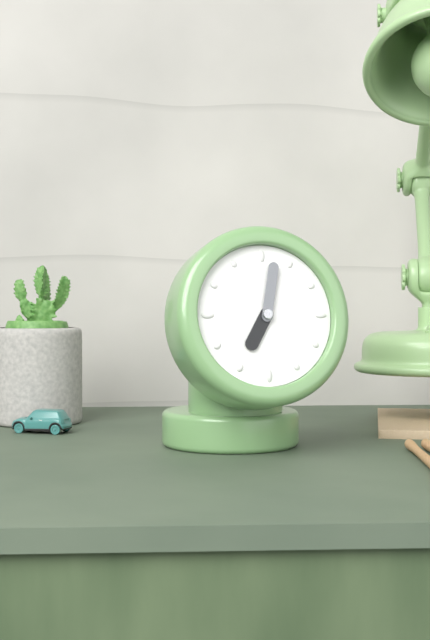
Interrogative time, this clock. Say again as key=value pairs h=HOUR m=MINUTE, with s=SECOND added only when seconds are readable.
h=7 m=2
